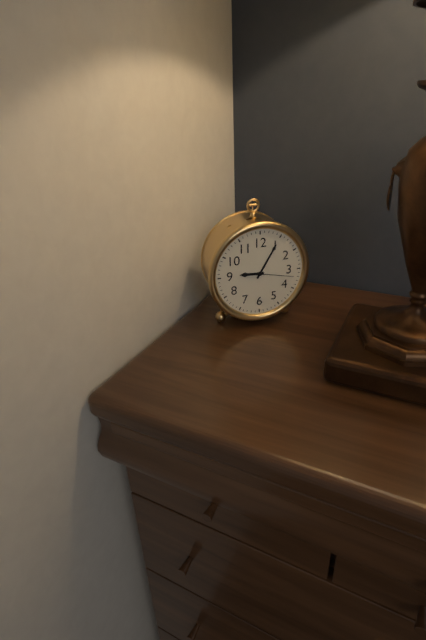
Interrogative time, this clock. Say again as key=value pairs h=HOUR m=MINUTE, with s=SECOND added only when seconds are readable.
h=9 m=5
